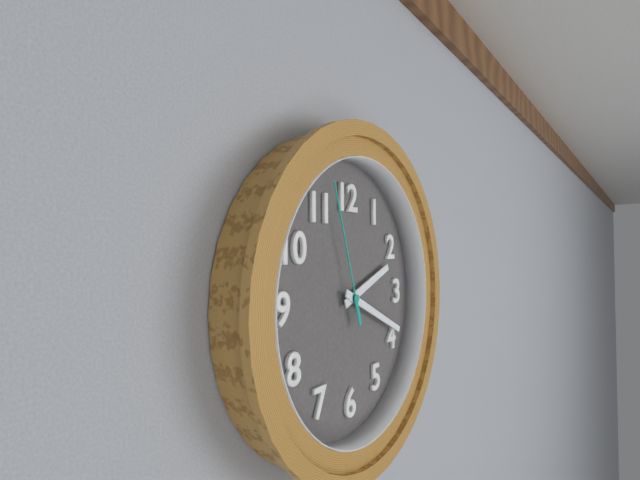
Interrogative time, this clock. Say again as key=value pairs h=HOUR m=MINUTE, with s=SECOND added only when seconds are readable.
h=2 m=19 s=57
